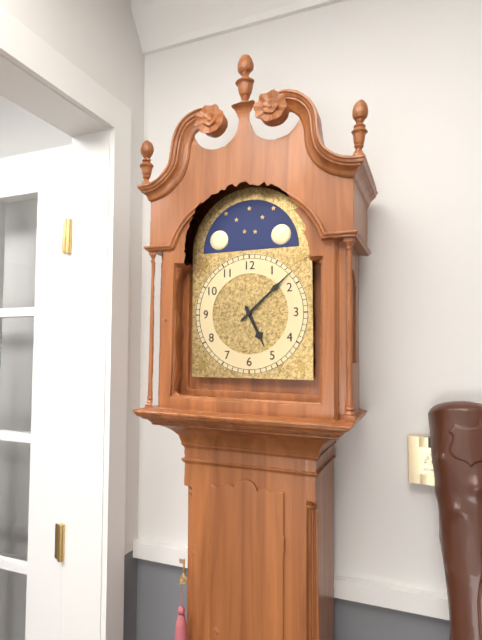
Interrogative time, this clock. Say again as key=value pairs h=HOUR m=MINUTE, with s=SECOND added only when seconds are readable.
h=5 m=8
